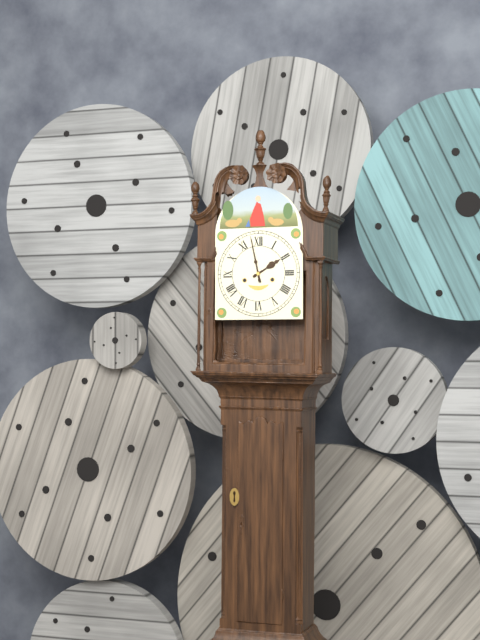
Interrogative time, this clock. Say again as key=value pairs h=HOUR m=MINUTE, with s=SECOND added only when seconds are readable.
h=1 m=58
